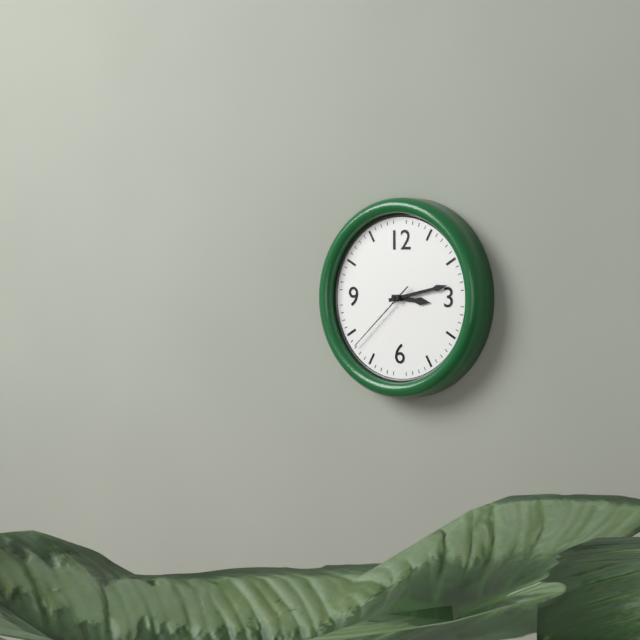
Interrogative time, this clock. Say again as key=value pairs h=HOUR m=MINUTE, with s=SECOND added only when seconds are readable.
h=3 m=13 s=38
